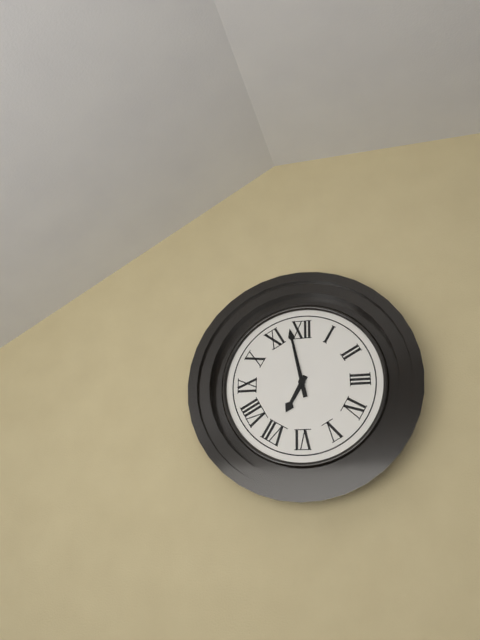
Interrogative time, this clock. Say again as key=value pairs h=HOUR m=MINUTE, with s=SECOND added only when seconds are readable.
h=6 m=58
